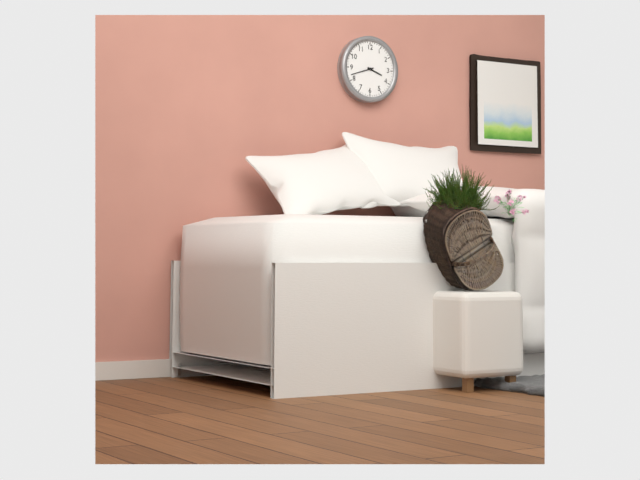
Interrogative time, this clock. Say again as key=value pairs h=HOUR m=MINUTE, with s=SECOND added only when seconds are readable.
h=3 m=42
